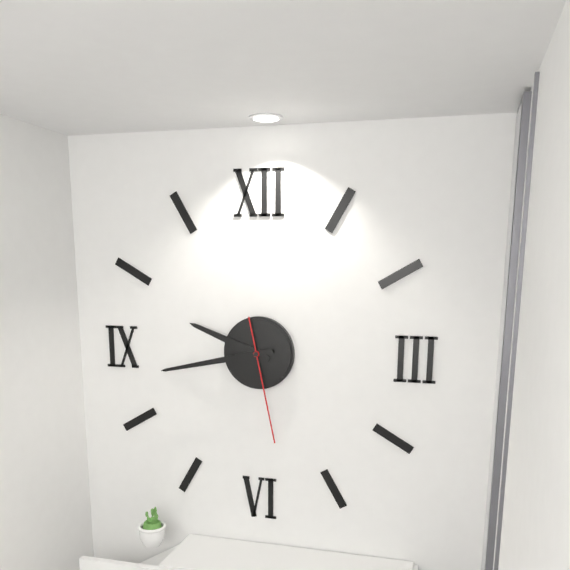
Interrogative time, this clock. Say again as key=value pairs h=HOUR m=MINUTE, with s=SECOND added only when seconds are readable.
h=9 m=43 s=28
